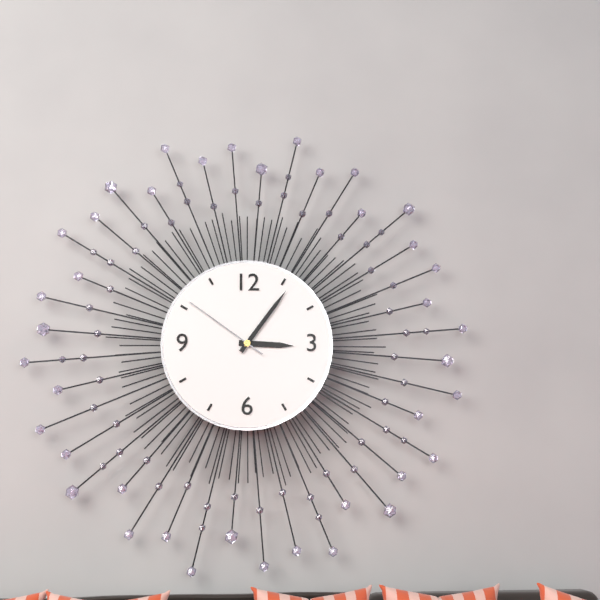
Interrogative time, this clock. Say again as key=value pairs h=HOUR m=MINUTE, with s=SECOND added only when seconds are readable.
h=3 m=6 s=51
